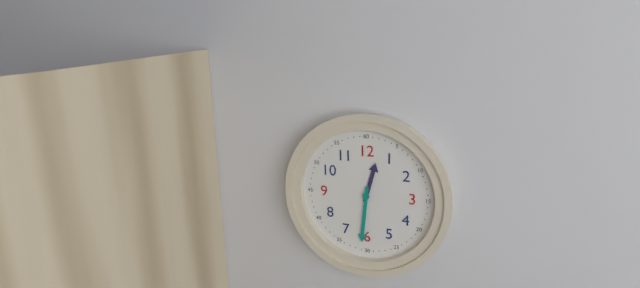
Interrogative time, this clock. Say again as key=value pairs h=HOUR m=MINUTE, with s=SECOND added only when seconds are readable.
h=12 m=31
